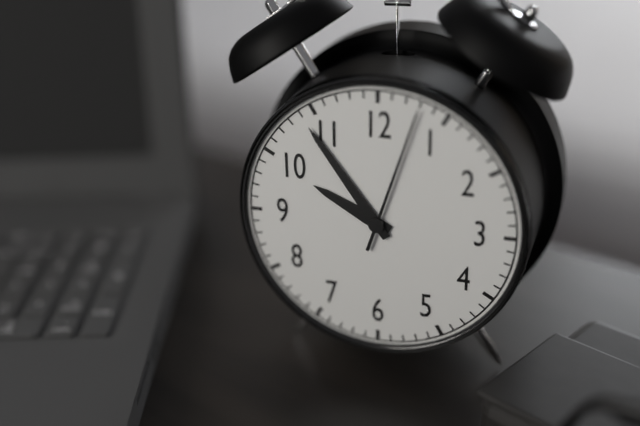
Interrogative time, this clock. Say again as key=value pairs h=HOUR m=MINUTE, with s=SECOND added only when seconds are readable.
h=9 m=54 s=3
